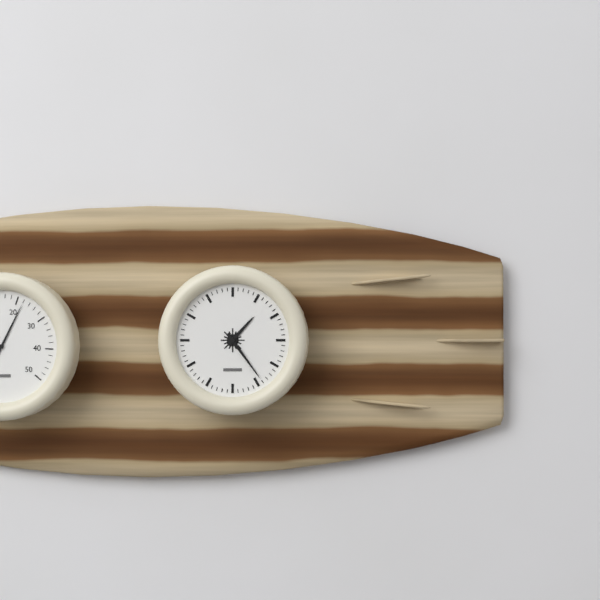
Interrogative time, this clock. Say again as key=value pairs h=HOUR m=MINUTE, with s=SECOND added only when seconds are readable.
h=1 m=24
